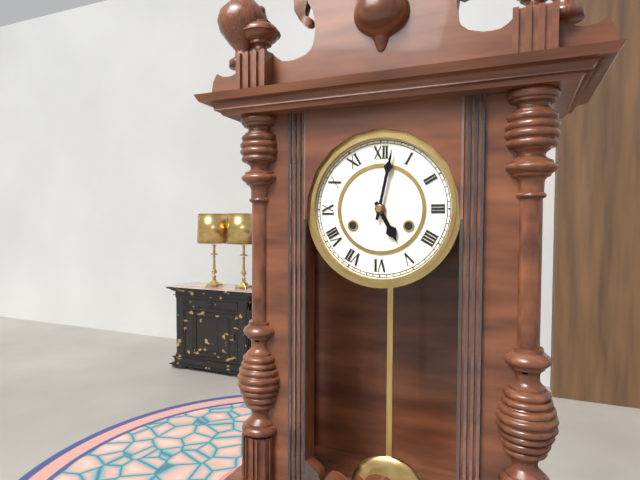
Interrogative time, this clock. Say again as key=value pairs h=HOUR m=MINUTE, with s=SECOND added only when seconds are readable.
h=5 m=2
